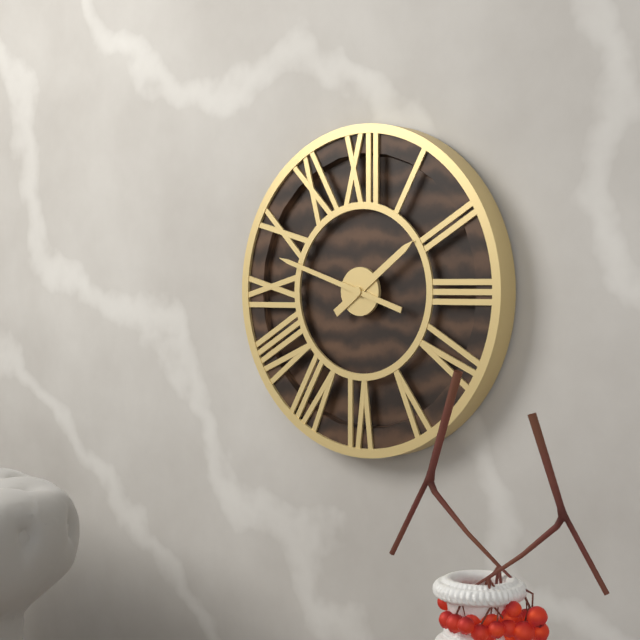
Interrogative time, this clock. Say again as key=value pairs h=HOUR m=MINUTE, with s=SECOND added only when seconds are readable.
h=1 m=48
